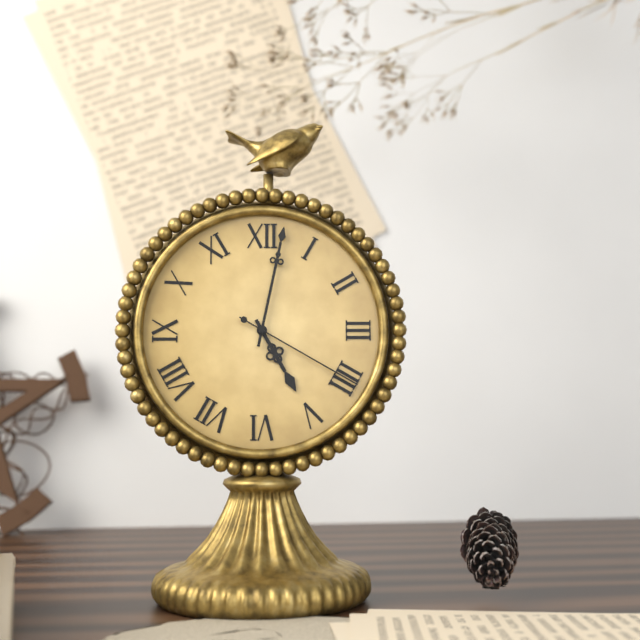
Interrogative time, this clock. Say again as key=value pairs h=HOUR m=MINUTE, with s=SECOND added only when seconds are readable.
h=5 m=2 s=20
